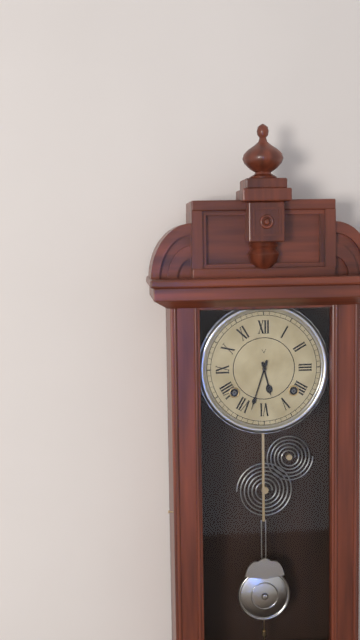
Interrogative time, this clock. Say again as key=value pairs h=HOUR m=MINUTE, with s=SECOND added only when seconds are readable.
h=5 m=33
